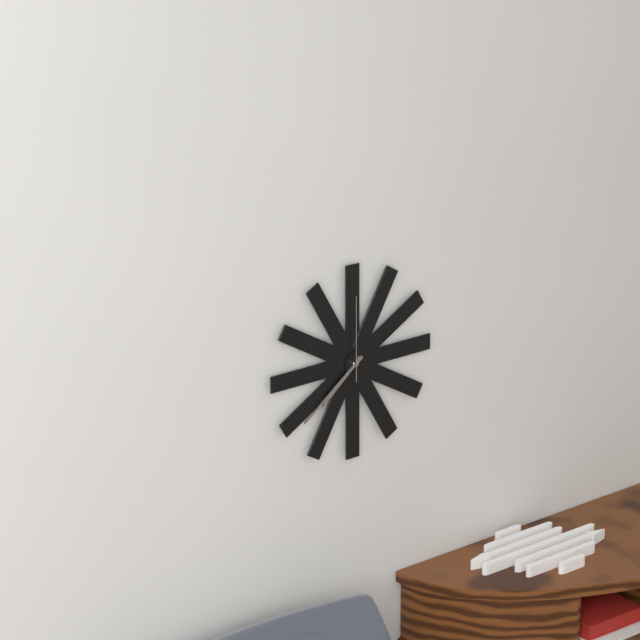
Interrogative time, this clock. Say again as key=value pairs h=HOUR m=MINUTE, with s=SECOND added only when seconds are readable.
h=7 m=39 s=0
